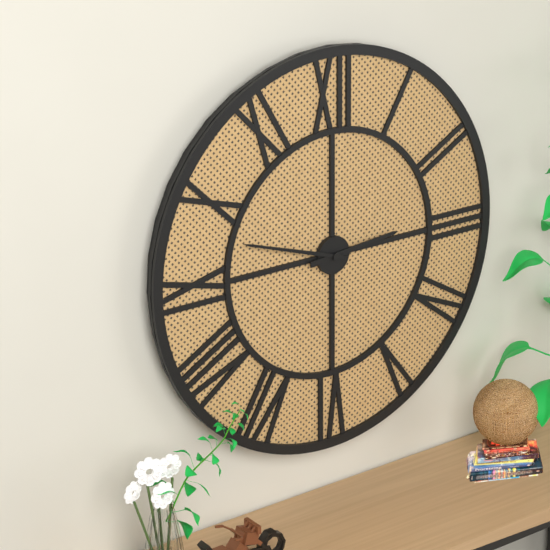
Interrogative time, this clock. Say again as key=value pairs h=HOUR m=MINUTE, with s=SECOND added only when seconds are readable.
h=2 m=48
